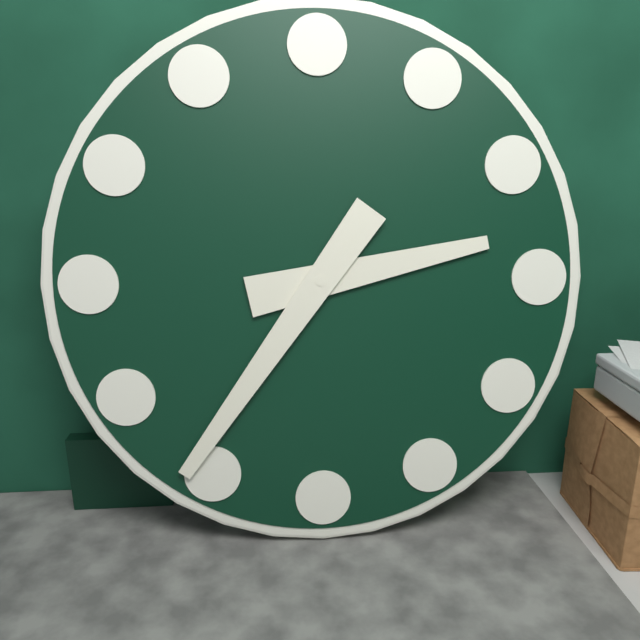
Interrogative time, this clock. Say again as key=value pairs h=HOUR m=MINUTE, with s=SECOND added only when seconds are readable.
h=2 m=36
